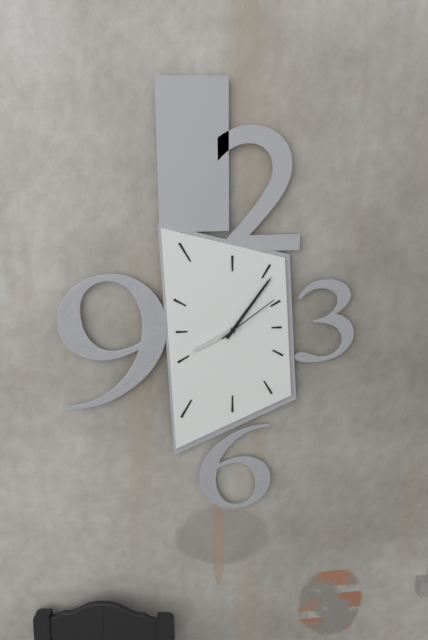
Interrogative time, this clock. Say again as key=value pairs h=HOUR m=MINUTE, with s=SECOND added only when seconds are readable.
h=8 m=6 s=9
